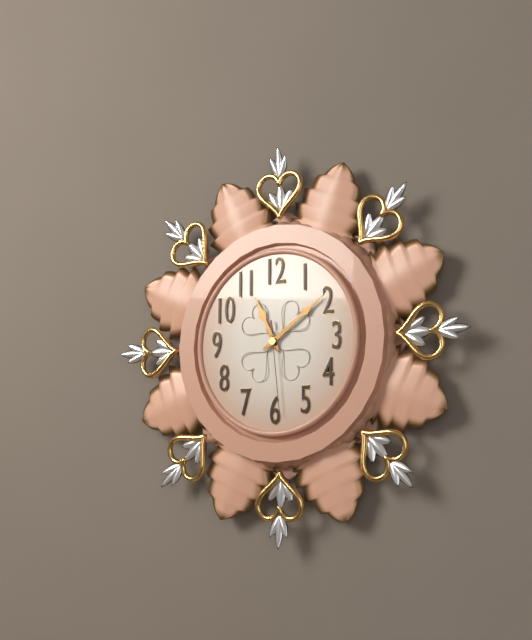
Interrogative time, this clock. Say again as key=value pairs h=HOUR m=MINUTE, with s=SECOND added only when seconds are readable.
h=11 m=9 s=29
